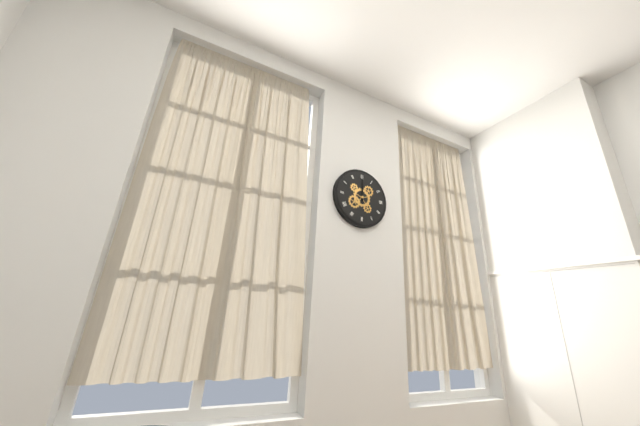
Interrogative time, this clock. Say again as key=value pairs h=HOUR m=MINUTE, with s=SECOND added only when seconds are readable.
h=12 m=0
